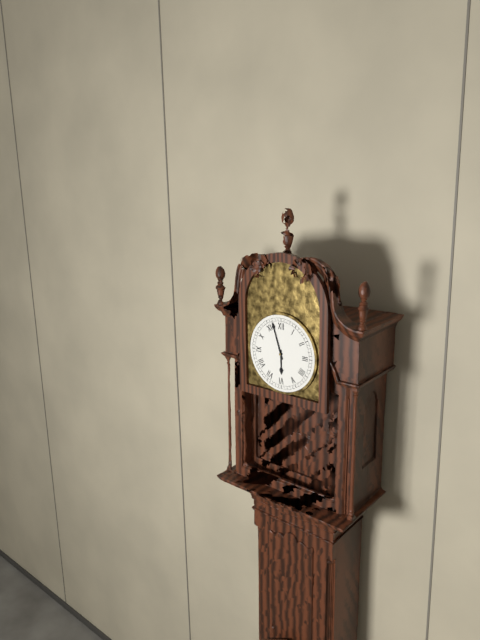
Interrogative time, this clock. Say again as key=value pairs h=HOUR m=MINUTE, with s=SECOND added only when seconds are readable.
h=5 m=57
